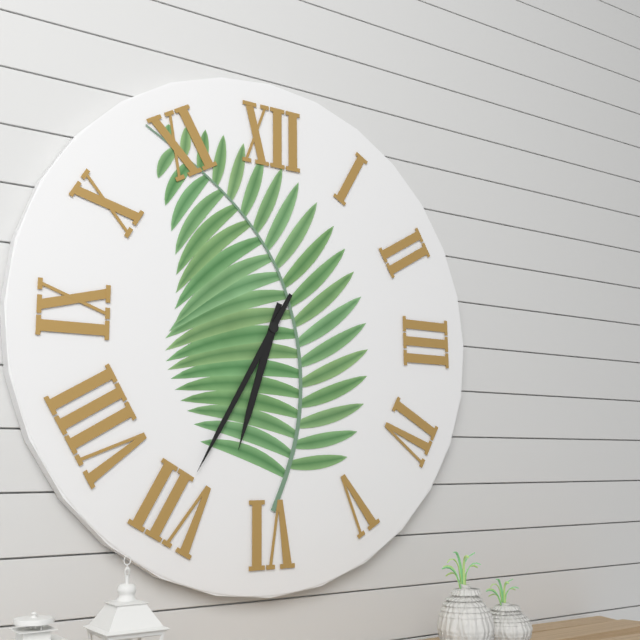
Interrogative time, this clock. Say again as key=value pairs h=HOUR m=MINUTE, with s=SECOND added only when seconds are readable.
h=6 m=35
